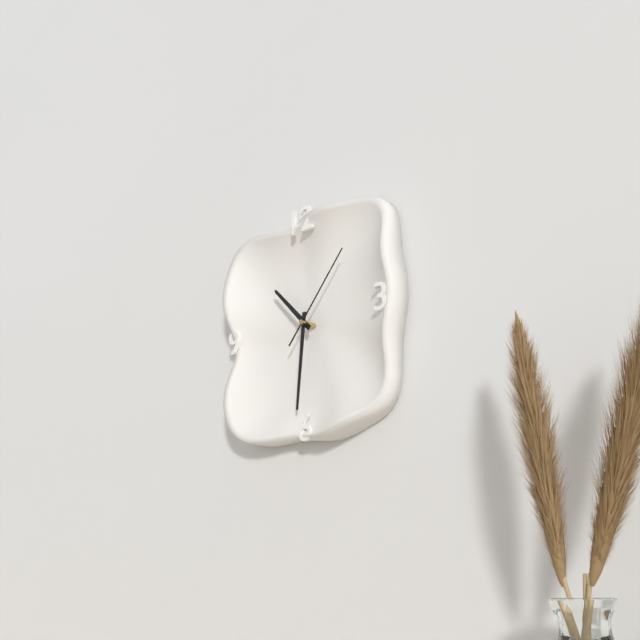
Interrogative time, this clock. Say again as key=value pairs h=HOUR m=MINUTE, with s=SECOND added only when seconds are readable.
h=10 m=31 s=7
